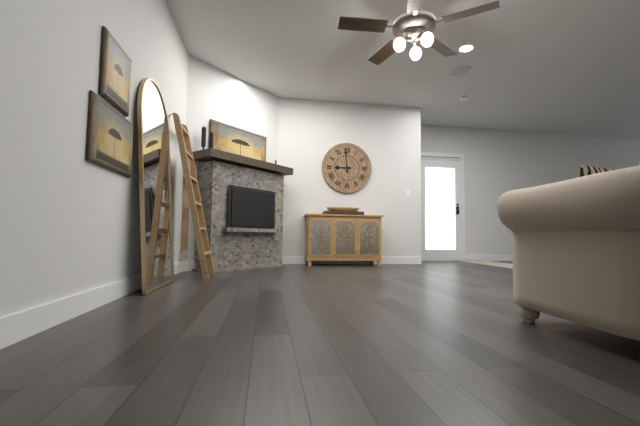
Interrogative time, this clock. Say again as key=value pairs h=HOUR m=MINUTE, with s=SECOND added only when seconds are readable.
h=8 m=59
